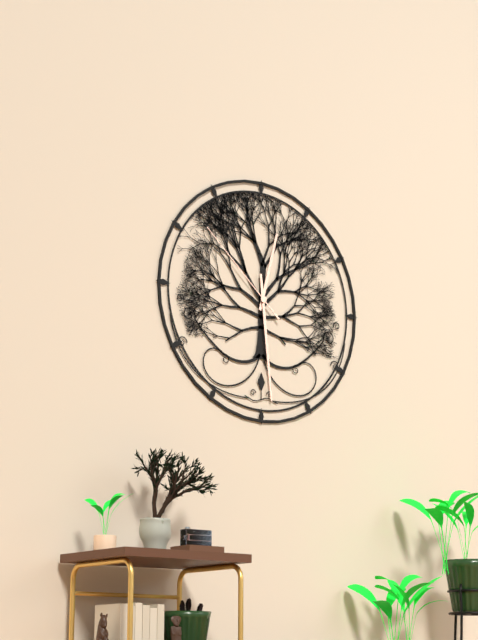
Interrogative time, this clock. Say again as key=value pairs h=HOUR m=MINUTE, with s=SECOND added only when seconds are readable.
h=12 m=29 s=52
